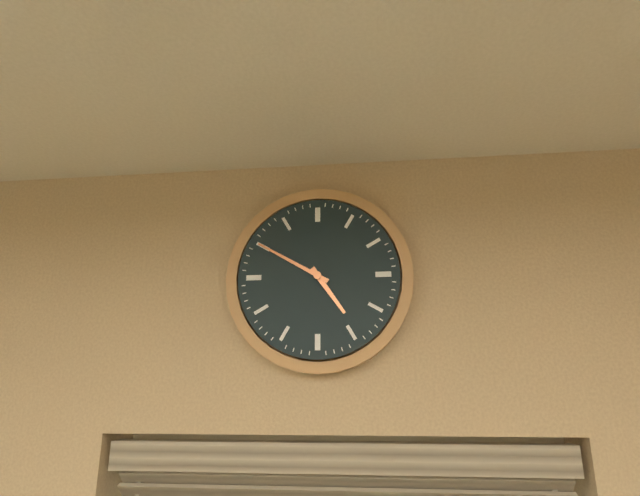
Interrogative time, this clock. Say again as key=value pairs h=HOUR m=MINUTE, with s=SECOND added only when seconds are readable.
h=4 m=50
